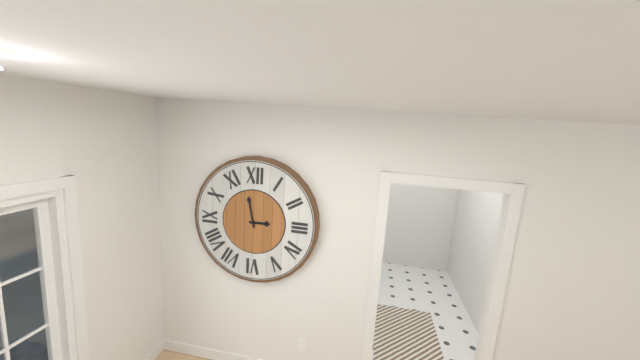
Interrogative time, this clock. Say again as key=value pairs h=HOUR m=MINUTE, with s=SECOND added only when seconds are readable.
h=2 m=58
